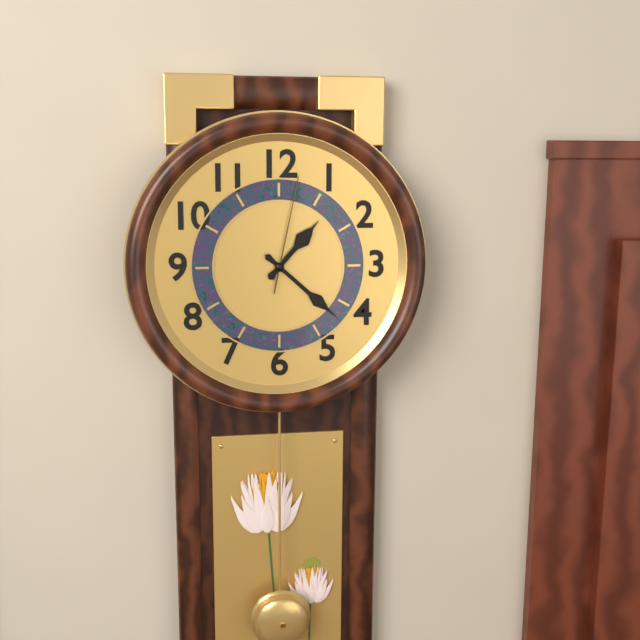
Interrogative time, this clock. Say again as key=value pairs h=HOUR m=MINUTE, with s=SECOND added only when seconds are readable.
h=1 m=22 s=2
